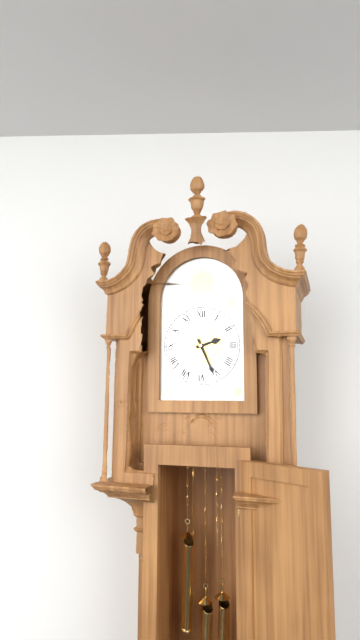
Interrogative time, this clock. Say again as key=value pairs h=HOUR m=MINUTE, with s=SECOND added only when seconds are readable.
h=2 m=26
